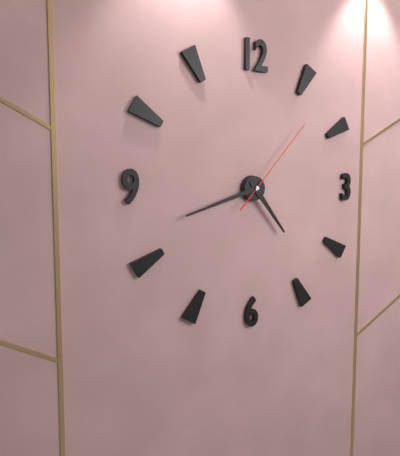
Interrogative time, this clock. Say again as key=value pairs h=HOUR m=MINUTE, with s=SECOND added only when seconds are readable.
h=4 m=42 s=7
